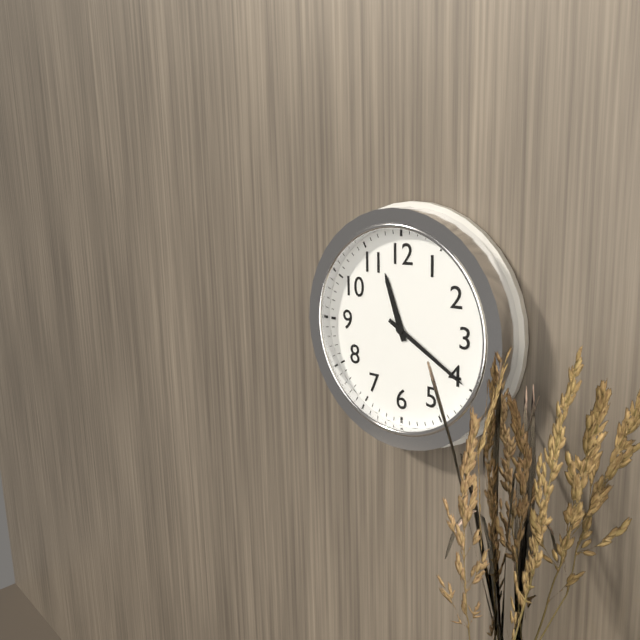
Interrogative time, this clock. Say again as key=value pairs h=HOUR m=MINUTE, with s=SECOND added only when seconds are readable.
h=11 m=20
